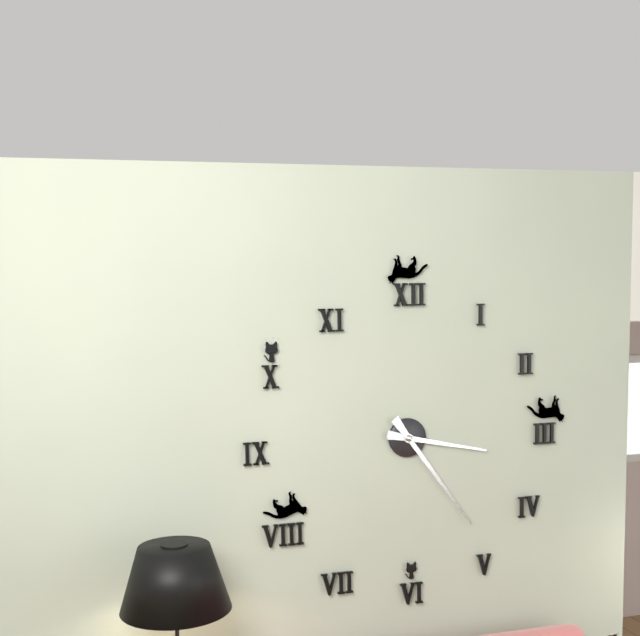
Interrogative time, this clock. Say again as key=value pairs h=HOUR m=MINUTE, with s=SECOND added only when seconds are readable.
h=3 m=24
